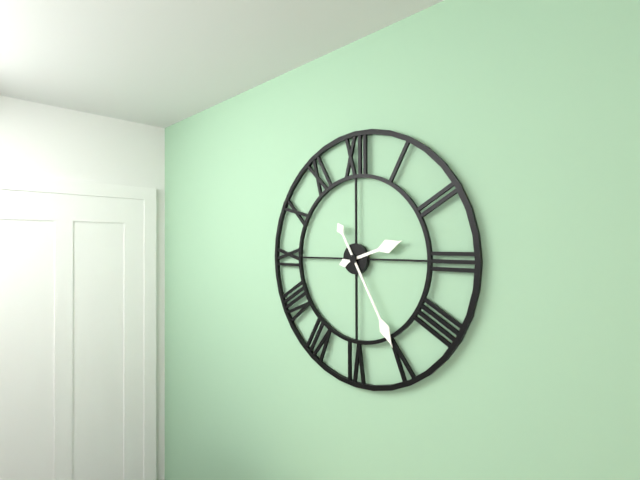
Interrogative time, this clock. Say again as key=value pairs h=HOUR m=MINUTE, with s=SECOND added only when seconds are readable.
h=2 m=25
